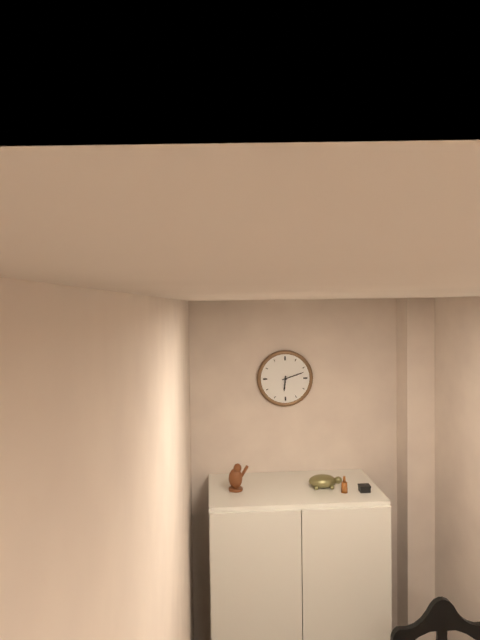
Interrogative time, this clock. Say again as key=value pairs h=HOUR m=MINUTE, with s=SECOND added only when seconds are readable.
h=6 m=12
